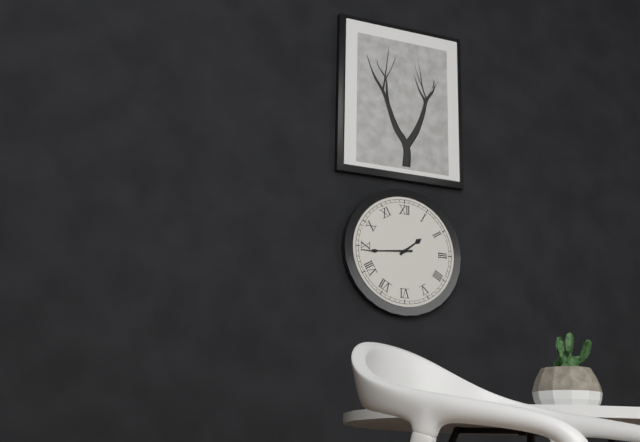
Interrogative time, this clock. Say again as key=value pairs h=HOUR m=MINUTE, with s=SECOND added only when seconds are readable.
h=1 m=44
